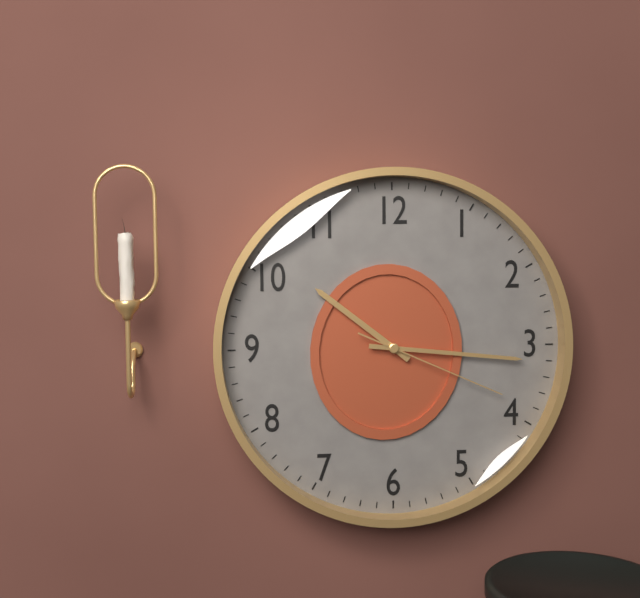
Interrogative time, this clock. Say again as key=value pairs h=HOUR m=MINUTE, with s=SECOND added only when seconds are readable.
h=10 m=16 s=19
